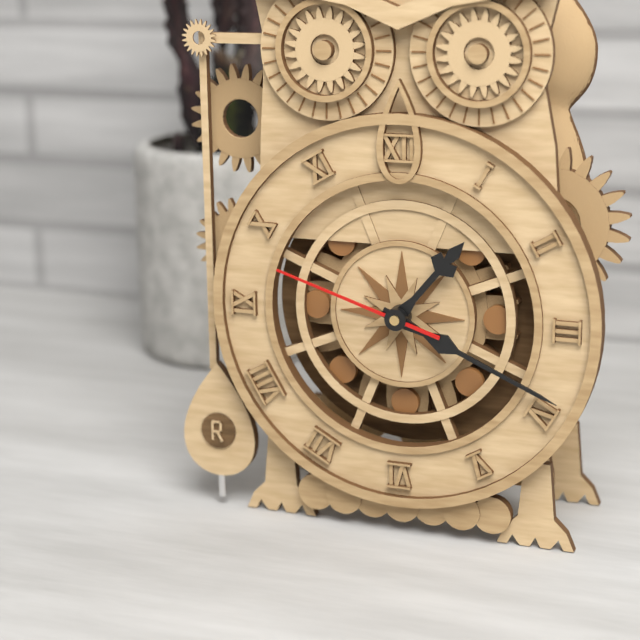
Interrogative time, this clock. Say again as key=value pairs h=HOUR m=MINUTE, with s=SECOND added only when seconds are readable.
h=1 m=19 s=48
